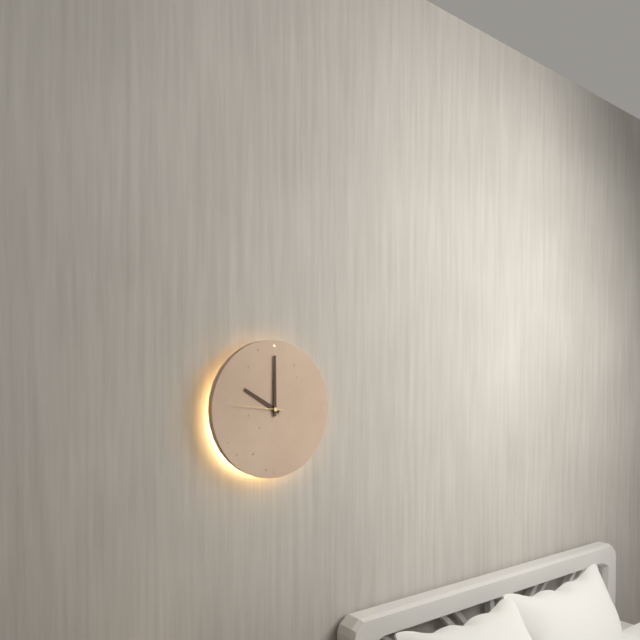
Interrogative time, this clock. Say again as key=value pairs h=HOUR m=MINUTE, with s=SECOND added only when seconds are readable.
h=10 m=0 s=46
